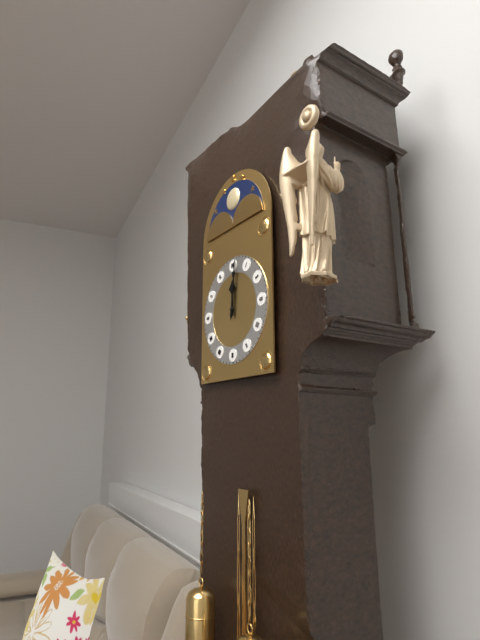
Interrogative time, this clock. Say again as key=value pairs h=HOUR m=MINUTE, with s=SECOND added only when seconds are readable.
h=12 m=1
